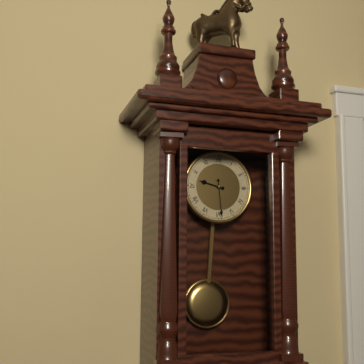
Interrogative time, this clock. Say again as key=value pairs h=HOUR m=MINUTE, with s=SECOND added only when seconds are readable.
h=9 m=29
